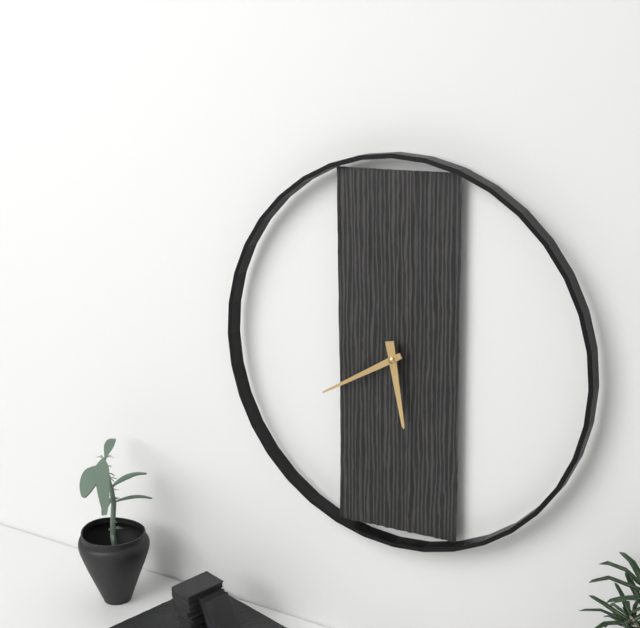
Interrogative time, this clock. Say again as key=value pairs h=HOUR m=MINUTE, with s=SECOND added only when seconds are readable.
h=5 m=40
